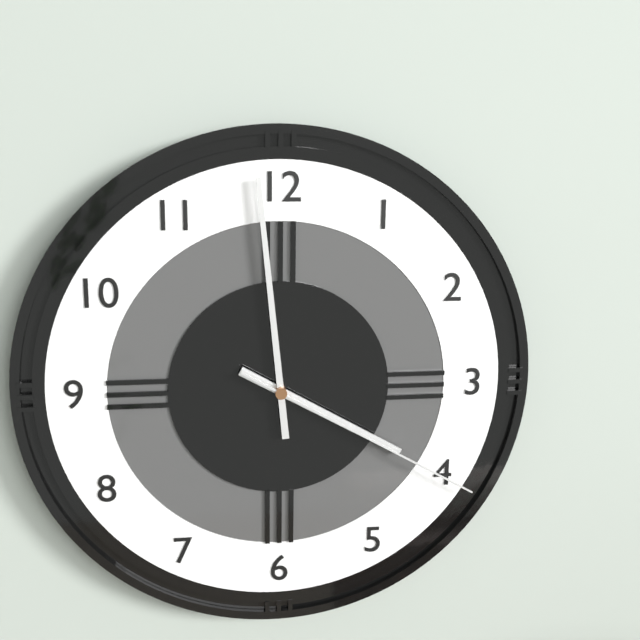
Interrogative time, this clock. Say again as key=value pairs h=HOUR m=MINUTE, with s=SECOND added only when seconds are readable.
h=3 m=59 s=20
